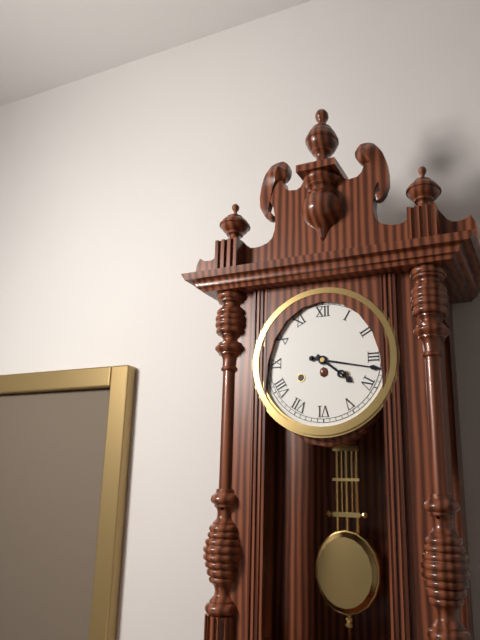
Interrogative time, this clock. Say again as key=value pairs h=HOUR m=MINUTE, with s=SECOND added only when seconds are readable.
h=4 m=17
